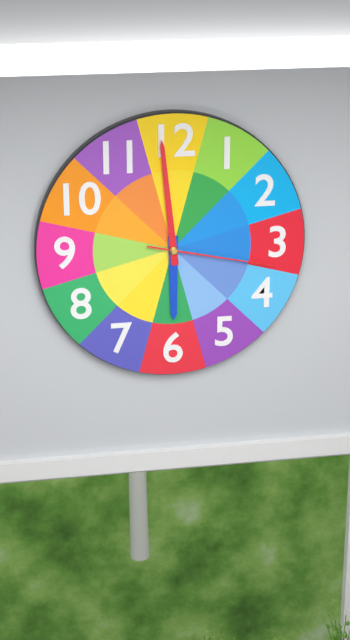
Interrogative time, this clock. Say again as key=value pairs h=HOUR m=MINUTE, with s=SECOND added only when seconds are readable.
h=5 m=59 s=17
